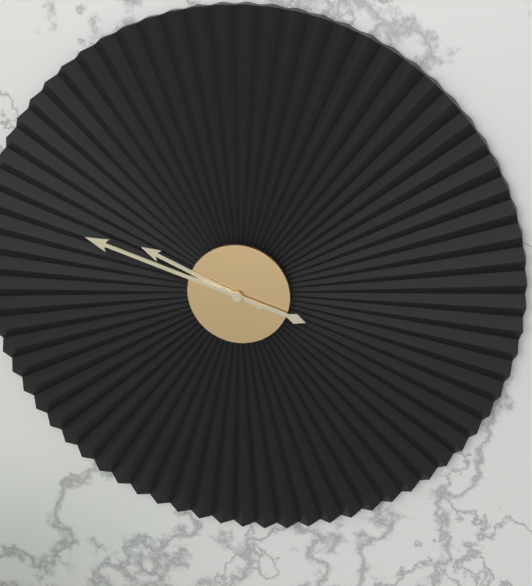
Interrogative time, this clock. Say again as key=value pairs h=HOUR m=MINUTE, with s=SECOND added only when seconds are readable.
h=9 m=48
